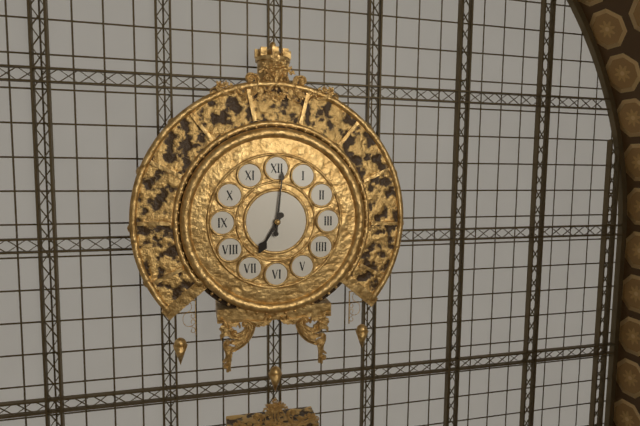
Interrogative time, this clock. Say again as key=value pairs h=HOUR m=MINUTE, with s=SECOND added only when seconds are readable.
h=7 m=1
